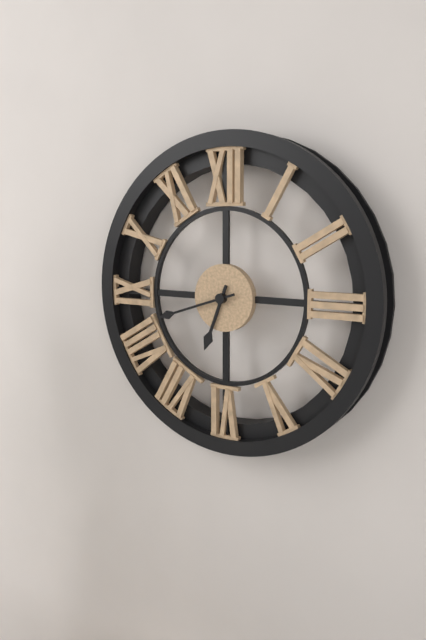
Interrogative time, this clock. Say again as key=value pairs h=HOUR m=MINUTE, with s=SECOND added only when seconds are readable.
h=6 m=42
